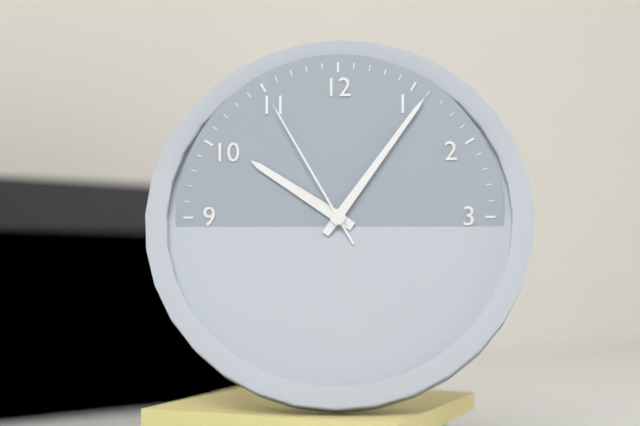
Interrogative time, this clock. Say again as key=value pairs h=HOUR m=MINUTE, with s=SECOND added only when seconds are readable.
h=10 m=6 s=55
